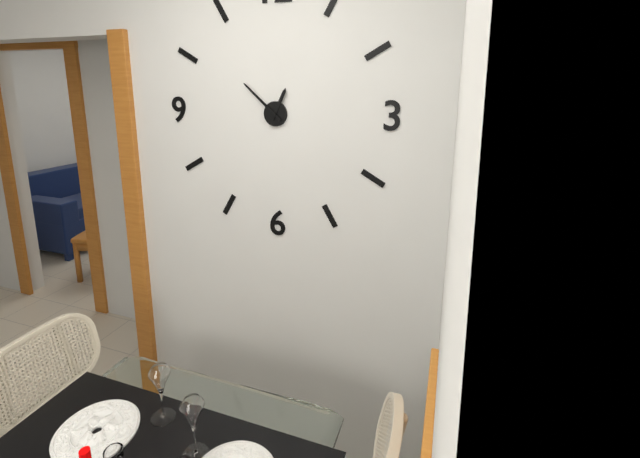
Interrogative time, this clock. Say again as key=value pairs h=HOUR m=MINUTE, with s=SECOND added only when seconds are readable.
h=12 m=52
